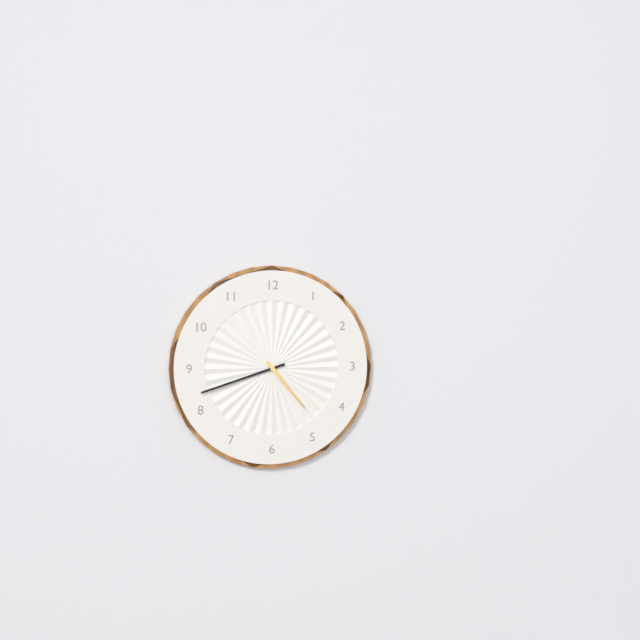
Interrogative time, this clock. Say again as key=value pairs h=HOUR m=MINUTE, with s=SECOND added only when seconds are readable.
h=4 m=42
